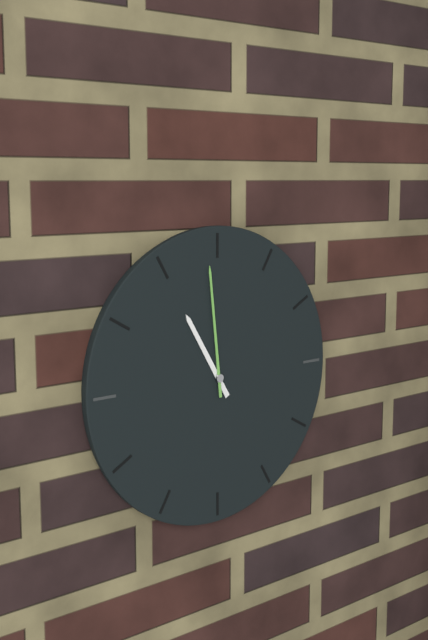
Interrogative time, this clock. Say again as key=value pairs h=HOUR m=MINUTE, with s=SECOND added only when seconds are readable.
h=10 m=59
